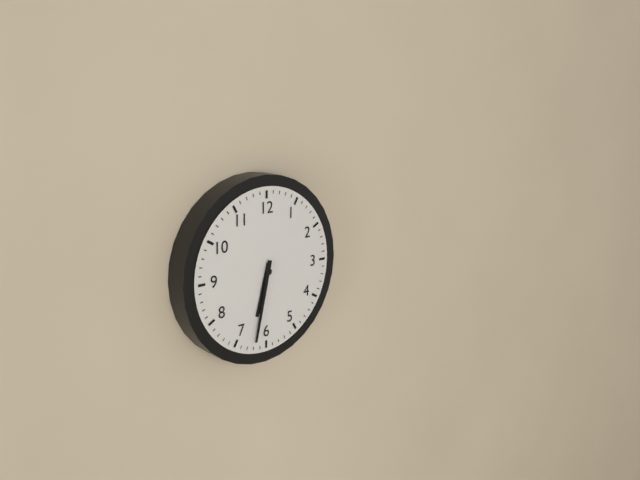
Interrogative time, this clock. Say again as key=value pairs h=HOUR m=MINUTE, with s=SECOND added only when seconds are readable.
h=6 m=32
